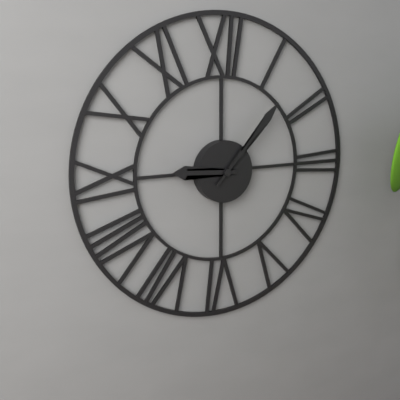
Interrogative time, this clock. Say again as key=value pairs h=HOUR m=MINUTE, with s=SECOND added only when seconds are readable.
h=9 m=7
